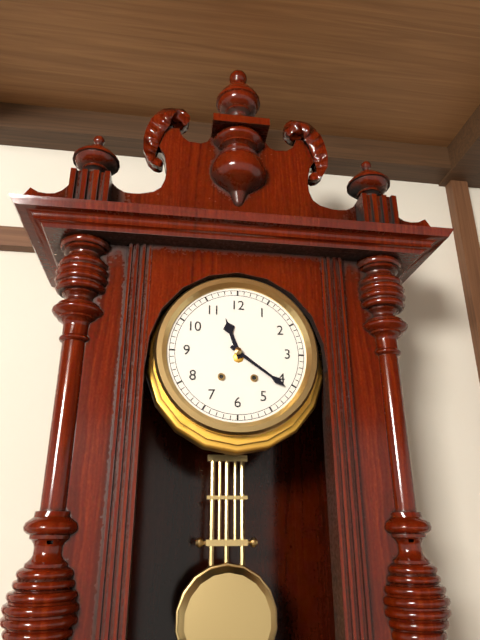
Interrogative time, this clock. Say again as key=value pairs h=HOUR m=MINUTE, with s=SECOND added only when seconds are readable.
h=11 m=21
